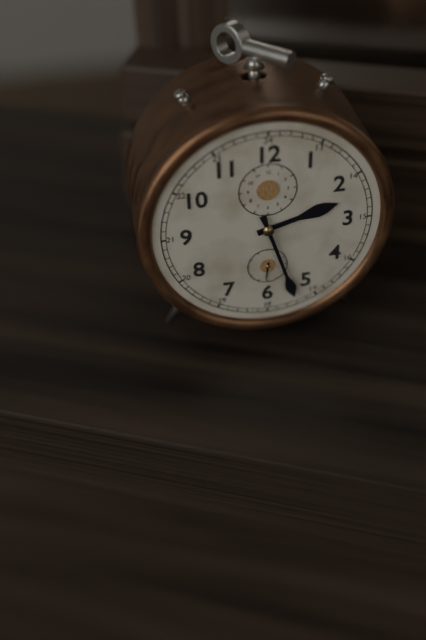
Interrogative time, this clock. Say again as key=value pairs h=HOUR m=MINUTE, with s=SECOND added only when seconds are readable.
h=2 m=27
